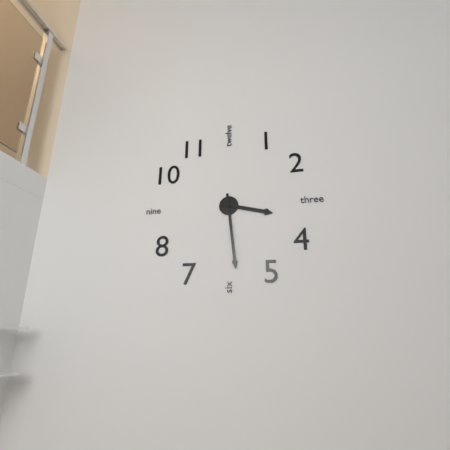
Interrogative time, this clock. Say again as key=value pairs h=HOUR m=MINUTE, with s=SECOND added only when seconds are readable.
h=3 m=29
